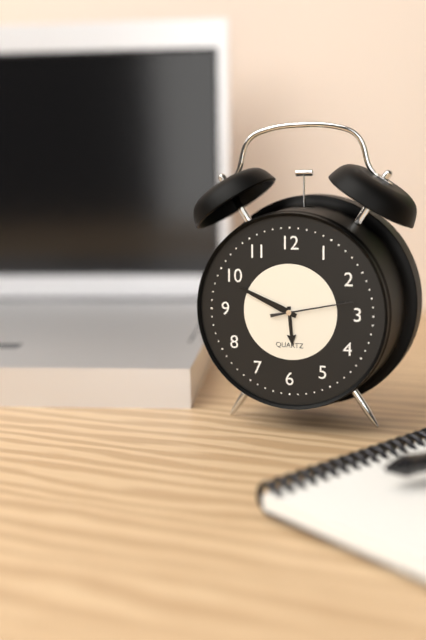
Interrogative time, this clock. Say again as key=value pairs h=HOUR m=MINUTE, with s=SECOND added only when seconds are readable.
h=5 m=49 s=13
